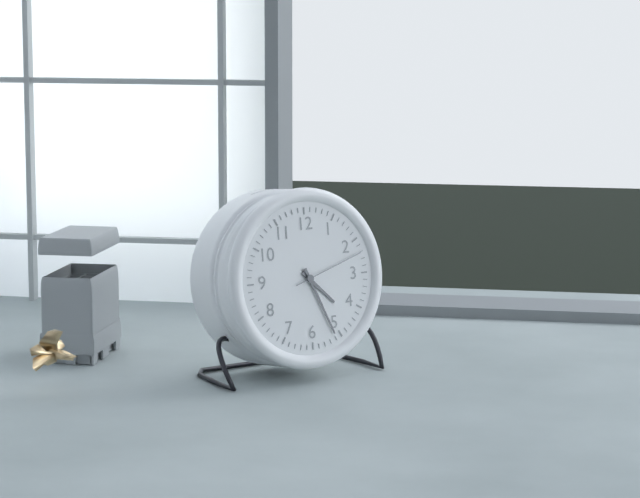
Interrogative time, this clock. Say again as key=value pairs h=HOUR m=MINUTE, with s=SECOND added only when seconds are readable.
h=4 m=26 s=12
